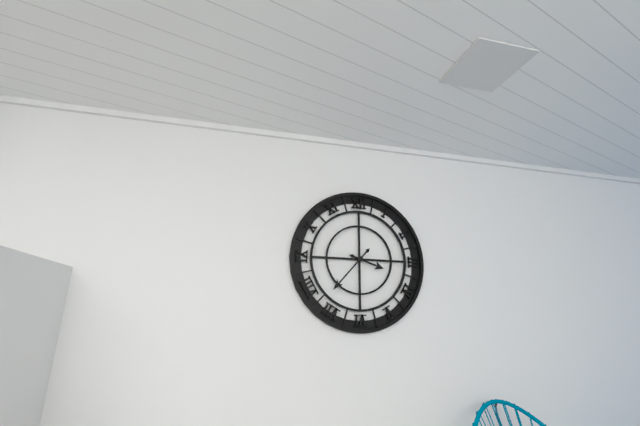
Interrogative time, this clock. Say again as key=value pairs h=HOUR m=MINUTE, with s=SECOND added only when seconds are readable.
h=3 m=37
